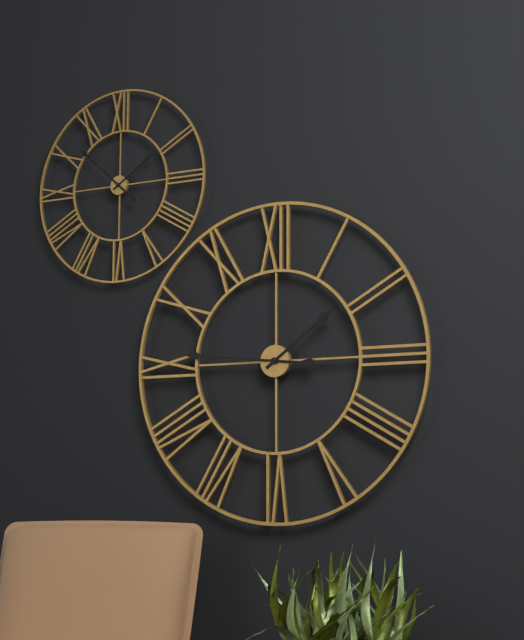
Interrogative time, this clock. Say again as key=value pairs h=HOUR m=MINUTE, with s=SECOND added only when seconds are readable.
h=1 m=46
